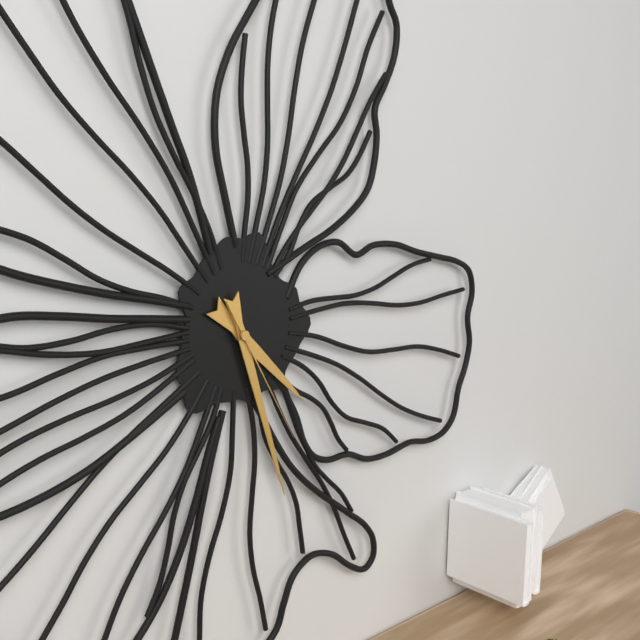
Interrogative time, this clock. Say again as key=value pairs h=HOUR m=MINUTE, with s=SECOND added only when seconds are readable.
h=4 m=27 s=25
